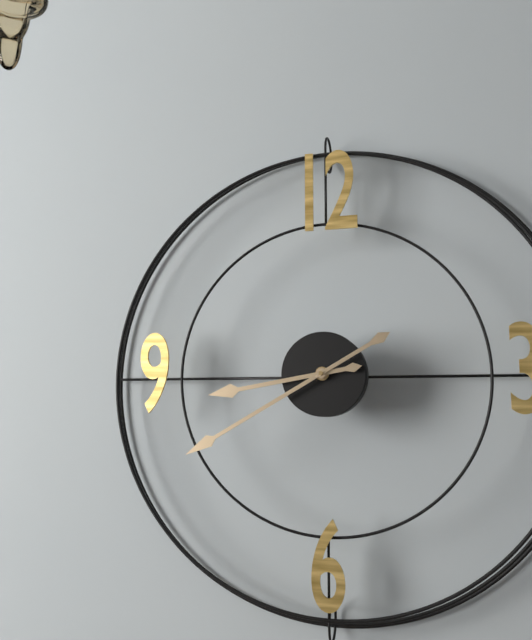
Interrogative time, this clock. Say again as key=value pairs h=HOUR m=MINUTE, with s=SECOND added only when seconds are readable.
h=8 m=40
